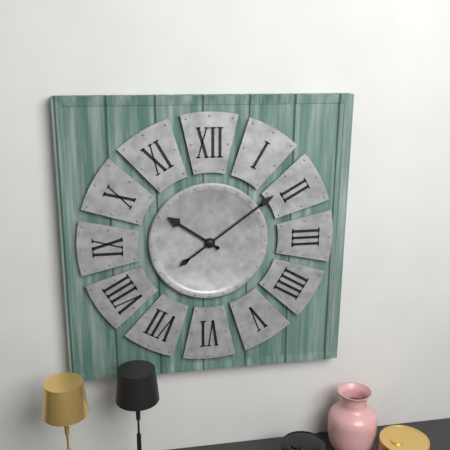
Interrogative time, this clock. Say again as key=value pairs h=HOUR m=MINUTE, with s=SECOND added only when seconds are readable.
h=10 m=9
